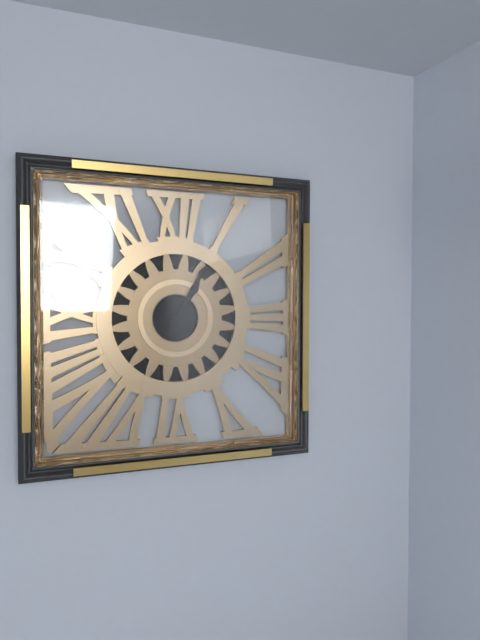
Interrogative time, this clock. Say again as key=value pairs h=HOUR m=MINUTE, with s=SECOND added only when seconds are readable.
h=1 m=5
